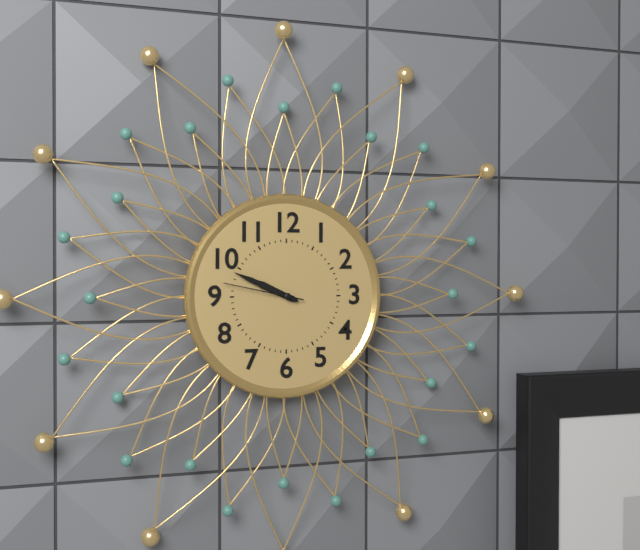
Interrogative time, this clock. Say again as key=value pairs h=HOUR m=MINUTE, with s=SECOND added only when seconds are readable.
h=9 m=49 s=47
